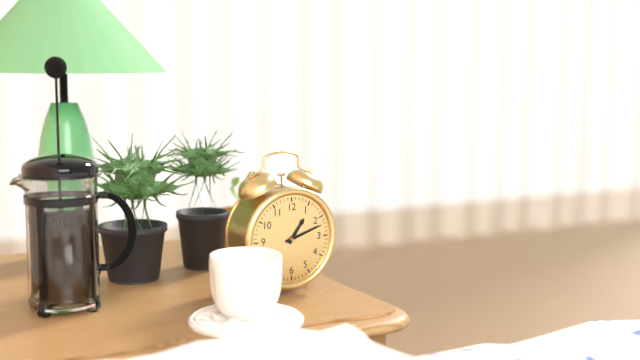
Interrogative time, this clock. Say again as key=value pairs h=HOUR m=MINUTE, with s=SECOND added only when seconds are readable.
h=1 m=12
